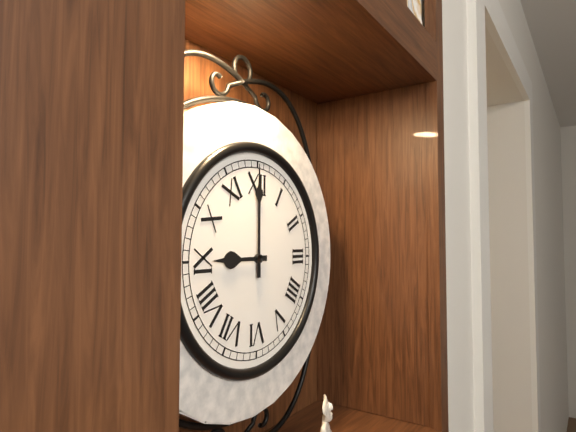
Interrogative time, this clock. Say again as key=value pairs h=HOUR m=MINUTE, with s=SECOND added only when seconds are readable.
h=9 m=0
